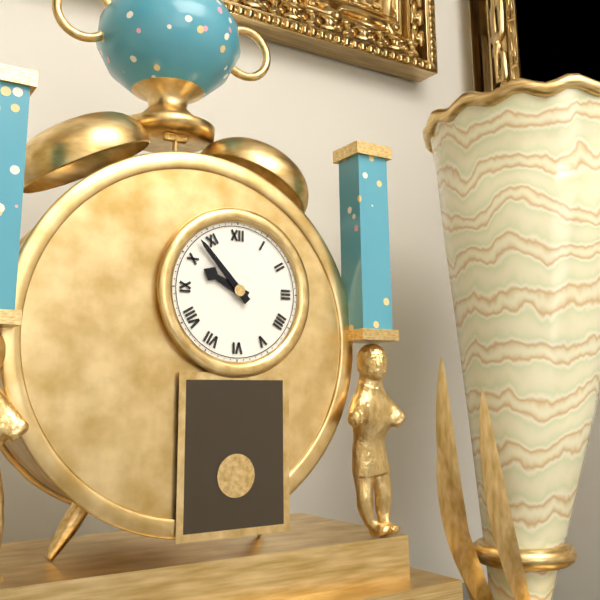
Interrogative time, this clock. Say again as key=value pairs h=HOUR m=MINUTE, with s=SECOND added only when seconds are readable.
h=9 m=53
